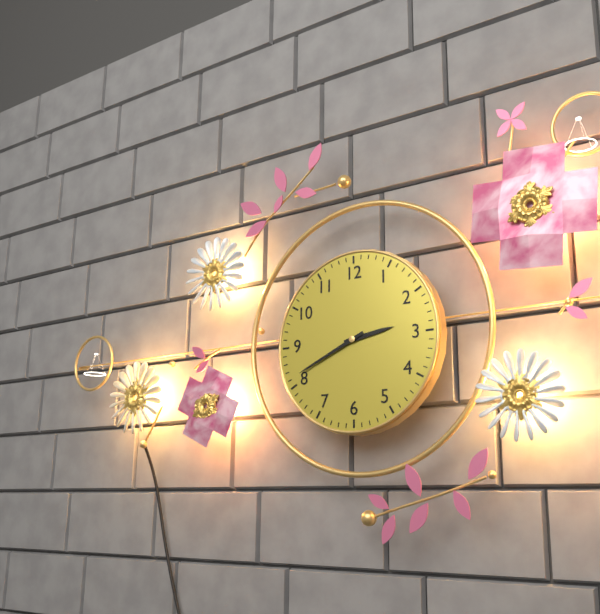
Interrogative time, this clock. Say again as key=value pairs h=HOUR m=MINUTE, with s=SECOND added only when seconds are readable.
h=2 m=41
